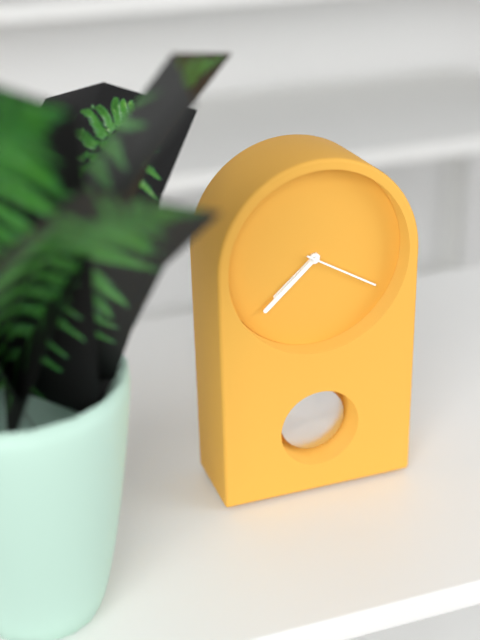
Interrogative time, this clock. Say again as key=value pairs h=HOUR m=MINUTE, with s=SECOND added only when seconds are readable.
h=7 m=38 s=20
